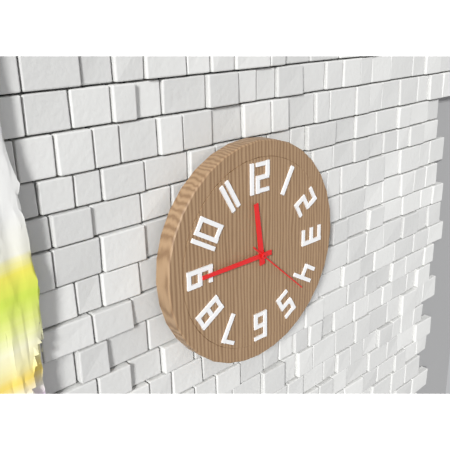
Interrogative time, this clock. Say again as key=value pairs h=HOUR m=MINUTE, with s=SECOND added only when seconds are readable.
h=11 m=45 s=22
